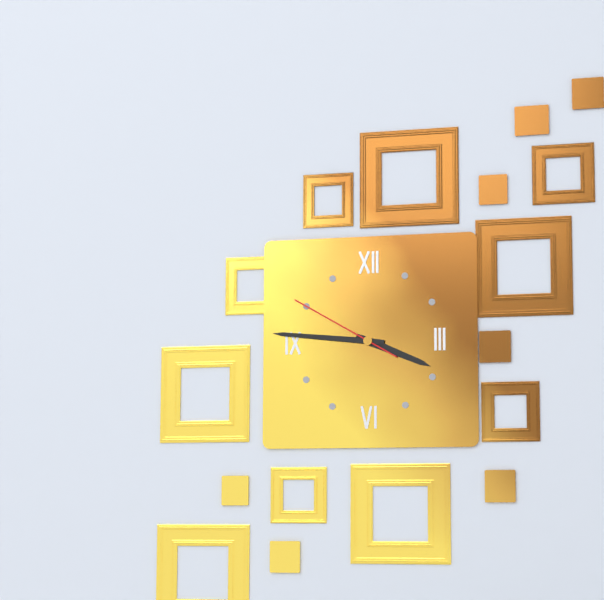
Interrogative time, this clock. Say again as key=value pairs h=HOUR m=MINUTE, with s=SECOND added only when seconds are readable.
h=3 m=46 s=50
